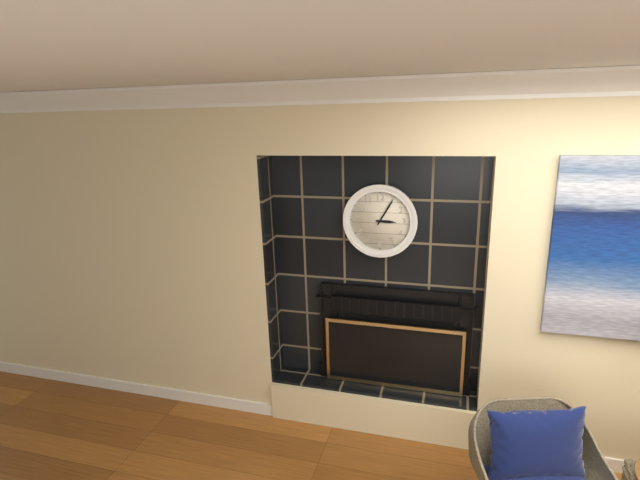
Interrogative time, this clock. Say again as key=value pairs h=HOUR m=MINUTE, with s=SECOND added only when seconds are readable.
h=3 m=5
